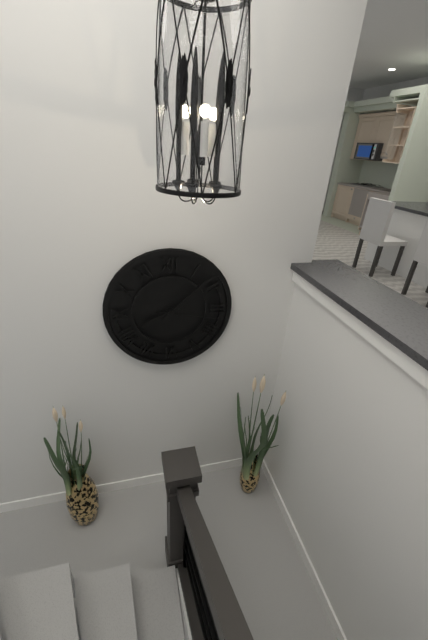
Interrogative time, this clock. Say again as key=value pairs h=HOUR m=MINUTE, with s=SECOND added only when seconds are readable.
h=8 m=8 s=17
